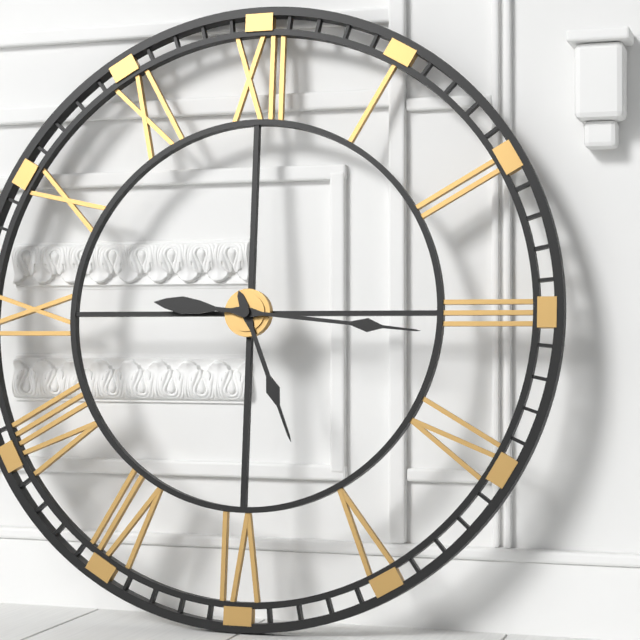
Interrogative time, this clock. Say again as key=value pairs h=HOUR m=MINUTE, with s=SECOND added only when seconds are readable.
h=5 m=16
